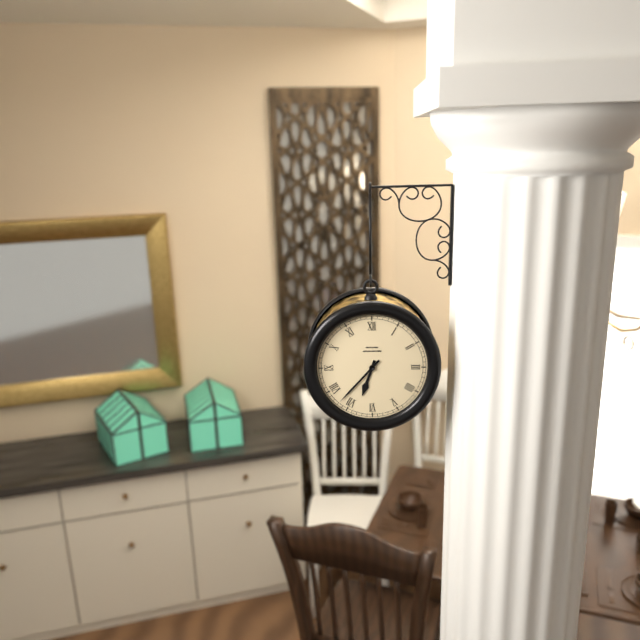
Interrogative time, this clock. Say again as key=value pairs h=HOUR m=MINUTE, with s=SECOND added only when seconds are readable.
h=6 m=37
